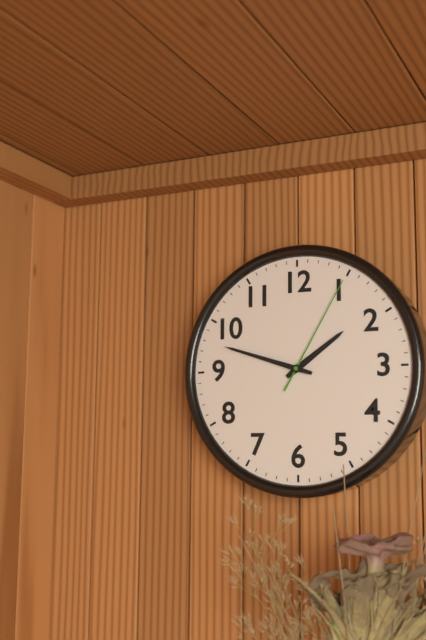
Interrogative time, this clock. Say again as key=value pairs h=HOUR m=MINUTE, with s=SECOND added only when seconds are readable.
h=1 m=48 s=5
